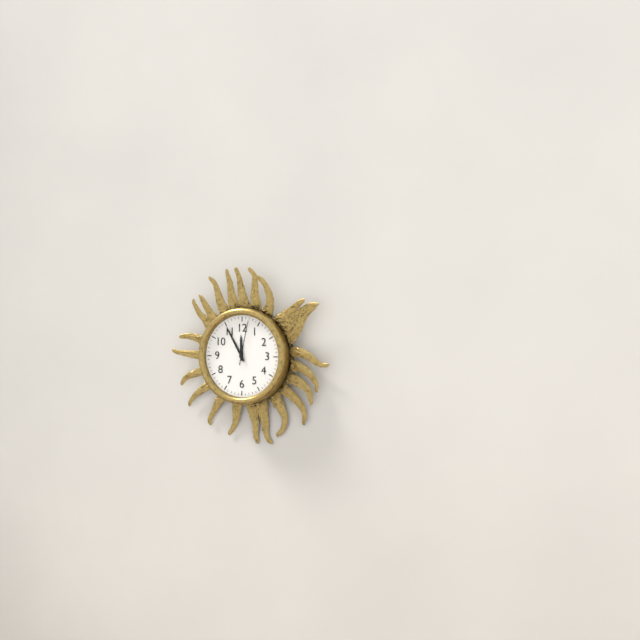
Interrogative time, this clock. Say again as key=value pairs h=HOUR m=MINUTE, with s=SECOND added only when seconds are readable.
h=11 m=55
